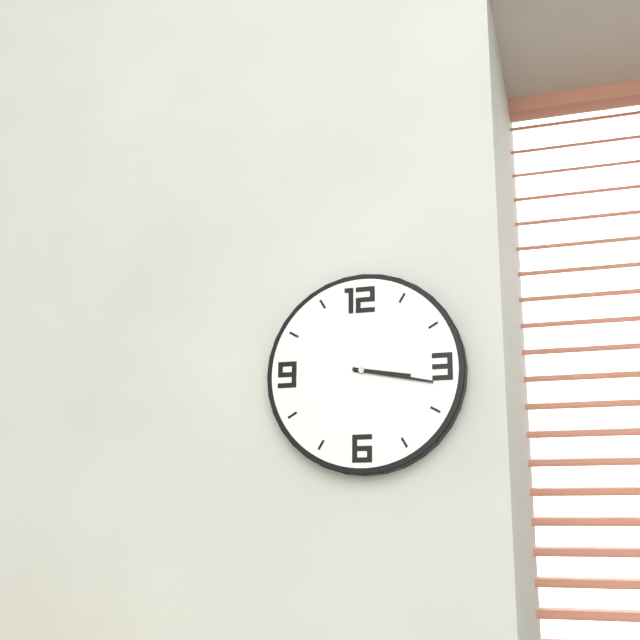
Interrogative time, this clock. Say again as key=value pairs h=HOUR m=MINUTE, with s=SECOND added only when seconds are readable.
h=3 m=17
